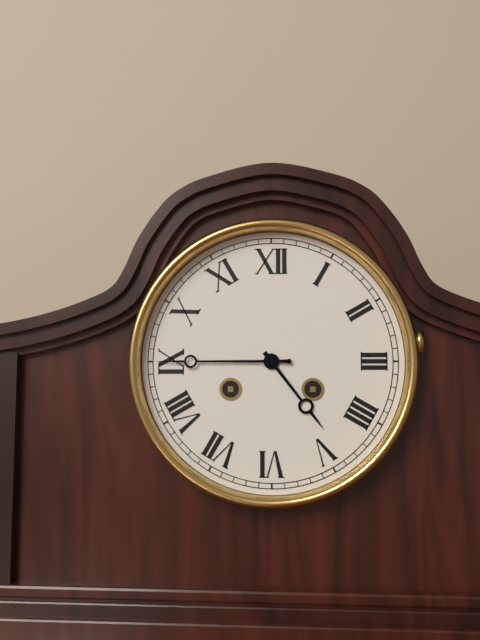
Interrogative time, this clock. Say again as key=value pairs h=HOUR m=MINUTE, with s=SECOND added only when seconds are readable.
h=4 m=45
